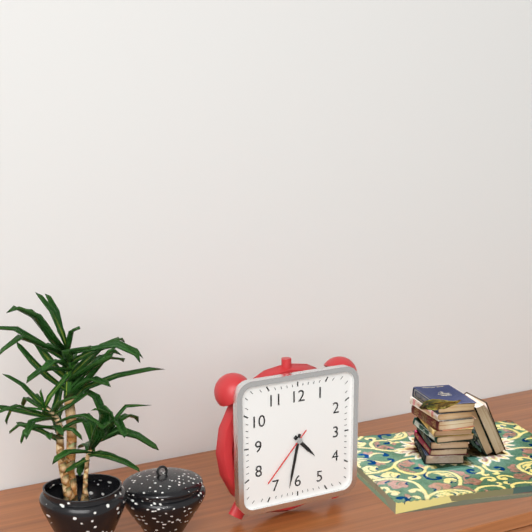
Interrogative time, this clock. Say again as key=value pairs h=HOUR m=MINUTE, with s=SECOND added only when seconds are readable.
h=4 m=32 s=37
